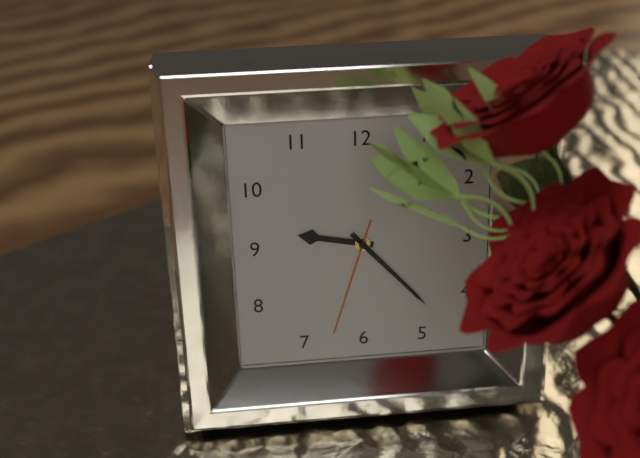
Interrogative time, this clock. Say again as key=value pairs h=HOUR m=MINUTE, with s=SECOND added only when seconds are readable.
h=9 m=23 s=33
